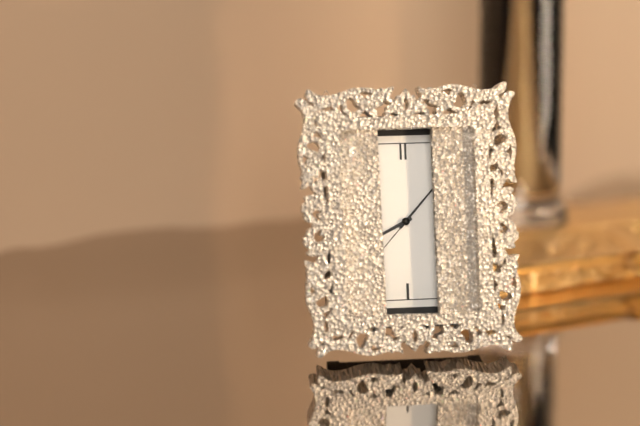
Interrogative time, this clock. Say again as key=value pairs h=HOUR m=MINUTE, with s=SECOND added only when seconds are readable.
h=8 m=7
